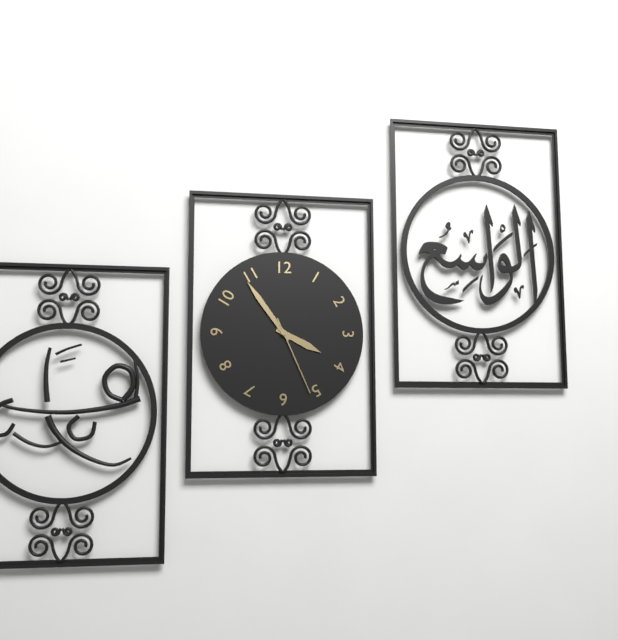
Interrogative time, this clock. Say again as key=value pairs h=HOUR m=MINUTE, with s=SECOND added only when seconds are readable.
h=3 m=54 s=26
